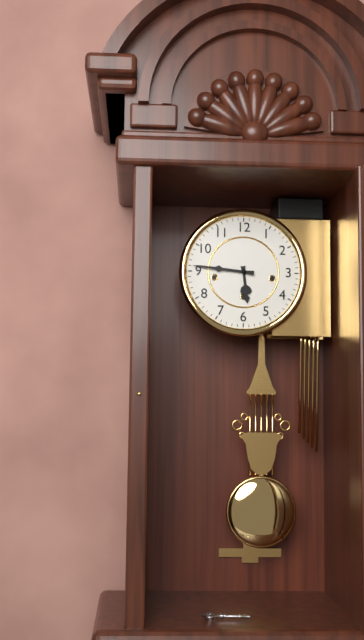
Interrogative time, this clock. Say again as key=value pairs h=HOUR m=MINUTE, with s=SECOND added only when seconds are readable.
h=5 m=46
